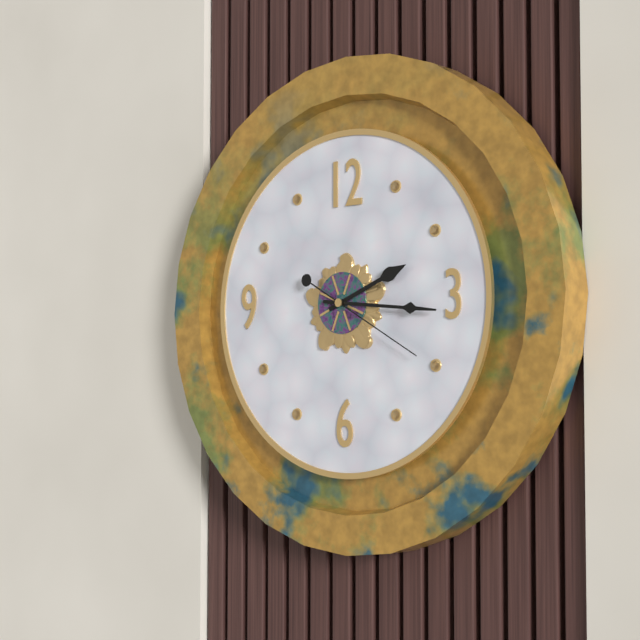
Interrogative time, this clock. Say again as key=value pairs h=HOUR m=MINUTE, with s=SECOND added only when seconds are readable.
h=2 m=16 s=20
